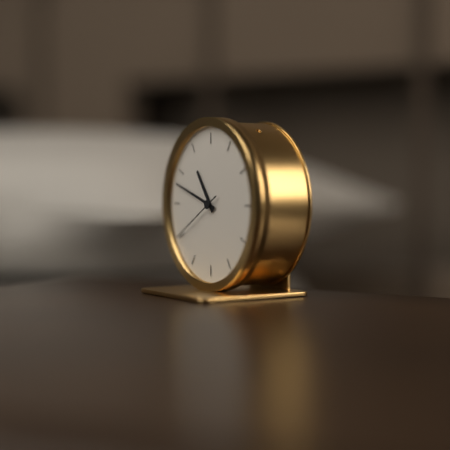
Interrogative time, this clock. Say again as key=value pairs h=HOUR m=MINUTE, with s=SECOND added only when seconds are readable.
h=10 m=48 s=40
